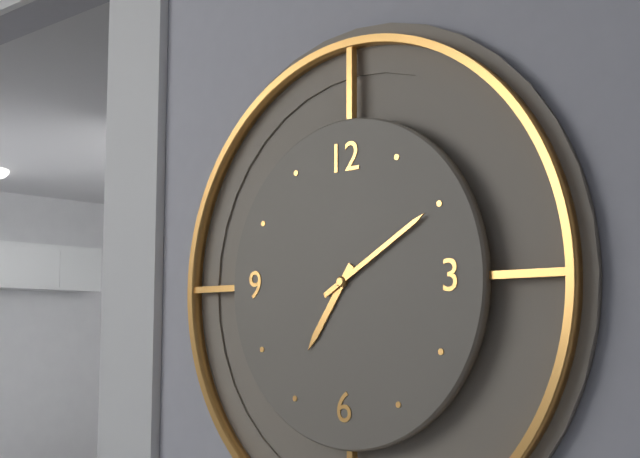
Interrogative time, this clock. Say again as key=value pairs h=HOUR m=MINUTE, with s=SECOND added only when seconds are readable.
h=7 m=10
